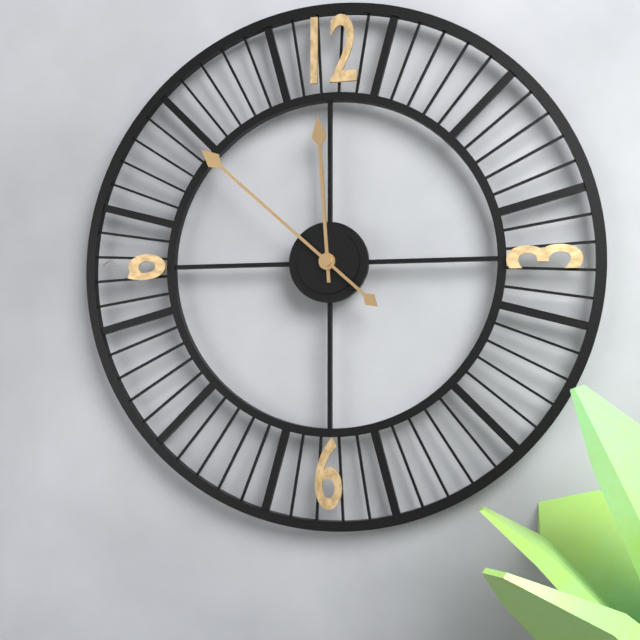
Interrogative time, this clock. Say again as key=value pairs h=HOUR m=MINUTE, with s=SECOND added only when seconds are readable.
h=11 m=52
